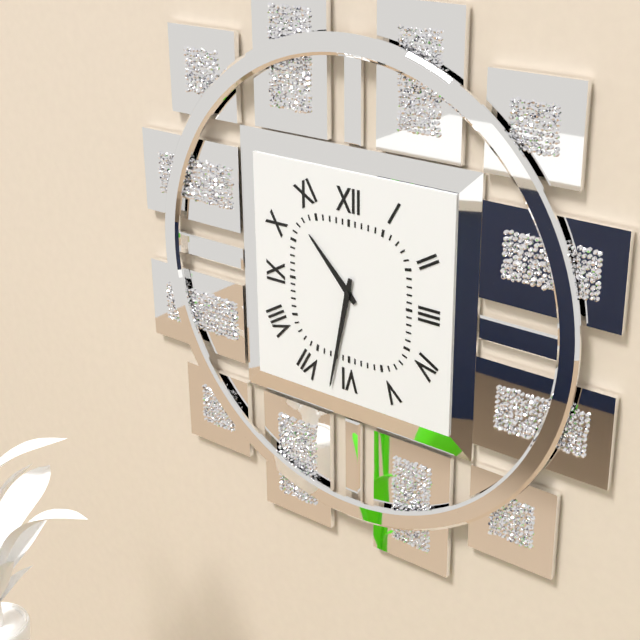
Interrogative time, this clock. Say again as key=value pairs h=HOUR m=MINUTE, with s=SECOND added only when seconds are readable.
h=10 m=32
